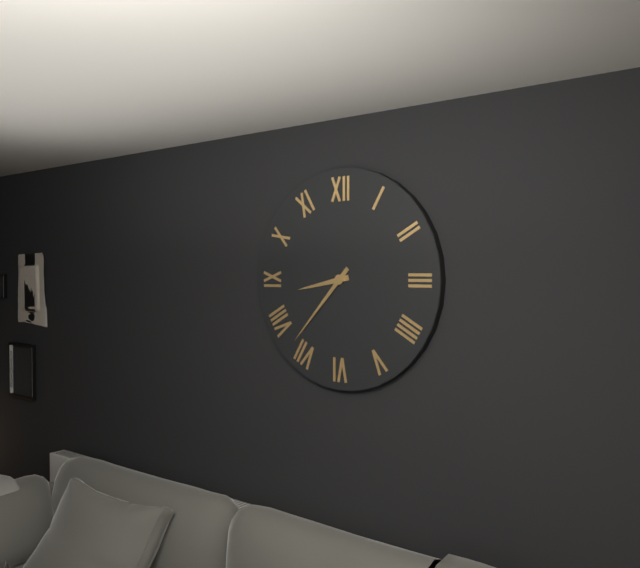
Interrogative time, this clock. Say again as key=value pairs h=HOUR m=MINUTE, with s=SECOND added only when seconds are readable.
h=8 m=37
